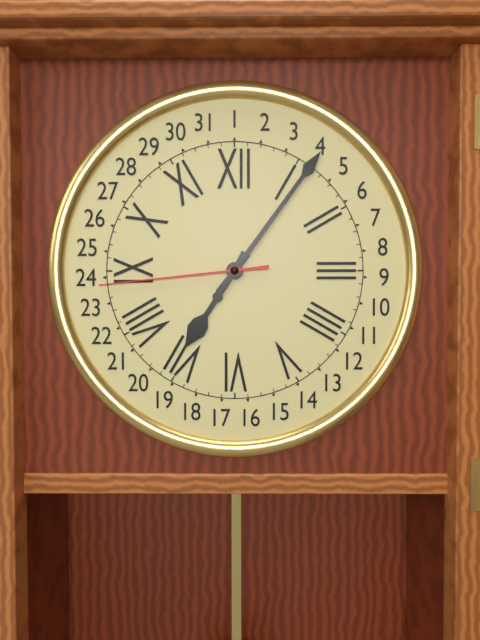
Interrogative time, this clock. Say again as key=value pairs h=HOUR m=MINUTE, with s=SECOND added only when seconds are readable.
h=7 m=6 s=44
